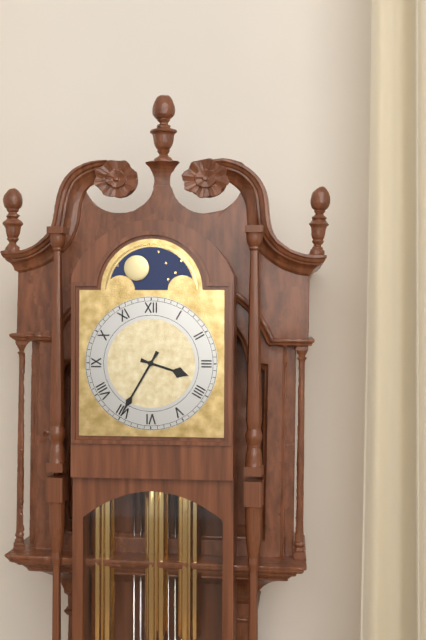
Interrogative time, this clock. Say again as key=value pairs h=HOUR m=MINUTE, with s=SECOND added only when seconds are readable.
h=3 m=35
